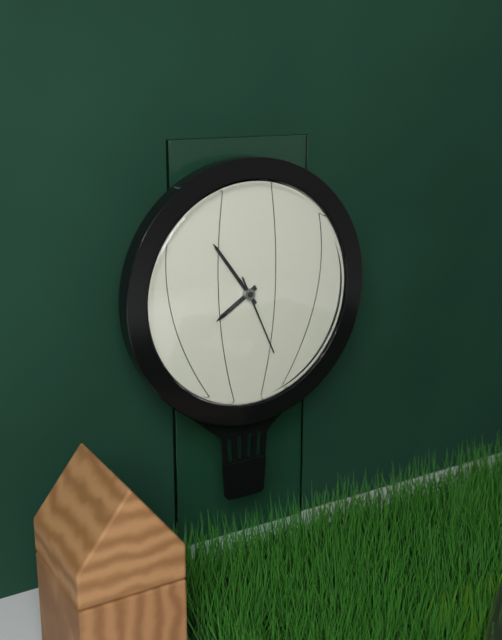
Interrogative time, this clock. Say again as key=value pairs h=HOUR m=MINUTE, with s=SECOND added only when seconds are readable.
h=7 m=54 s=26
